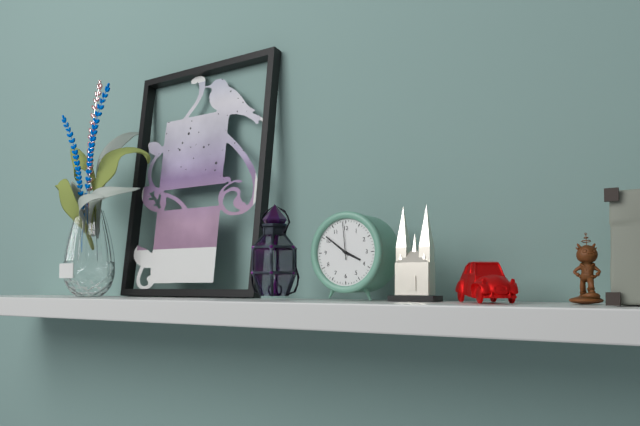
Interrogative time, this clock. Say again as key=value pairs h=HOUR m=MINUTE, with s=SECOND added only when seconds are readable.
h=3 m=51
